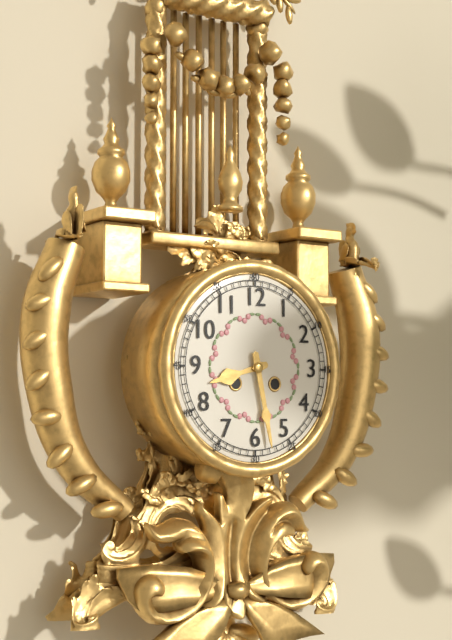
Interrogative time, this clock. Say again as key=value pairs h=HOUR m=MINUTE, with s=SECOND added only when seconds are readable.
h=8 m=28
